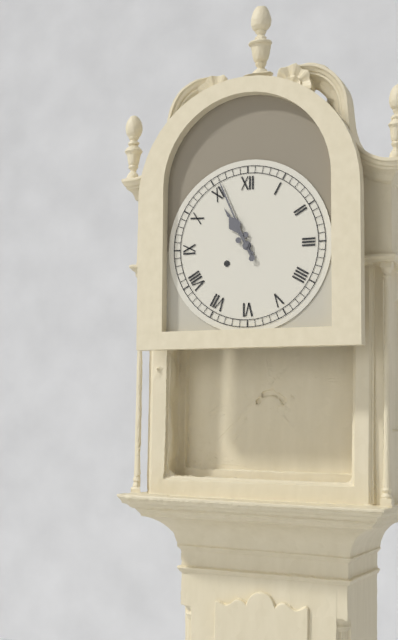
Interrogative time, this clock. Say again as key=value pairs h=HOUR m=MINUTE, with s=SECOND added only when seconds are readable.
h=10 m=56
